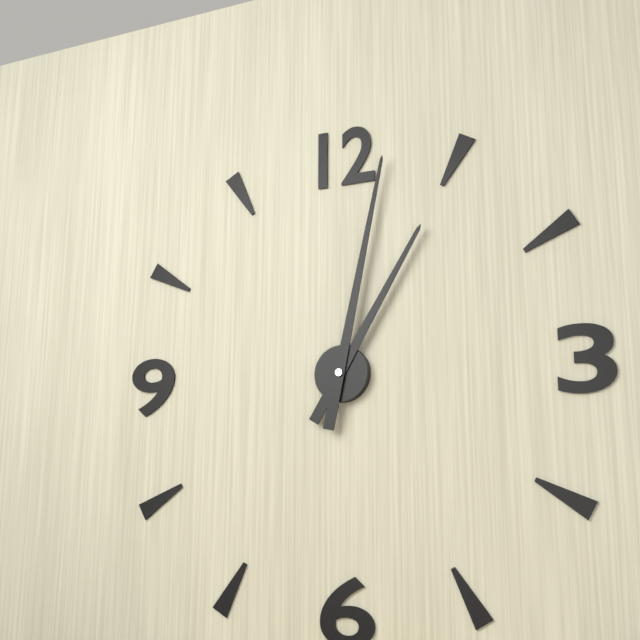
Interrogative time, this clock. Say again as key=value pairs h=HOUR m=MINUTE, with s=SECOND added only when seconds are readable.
h=1 m=2
